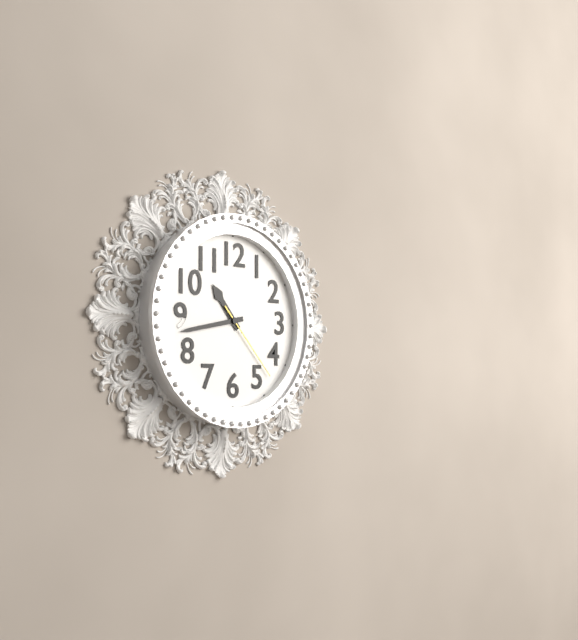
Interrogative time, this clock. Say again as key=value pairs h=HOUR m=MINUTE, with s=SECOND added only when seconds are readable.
h=10 m=43 s=23
